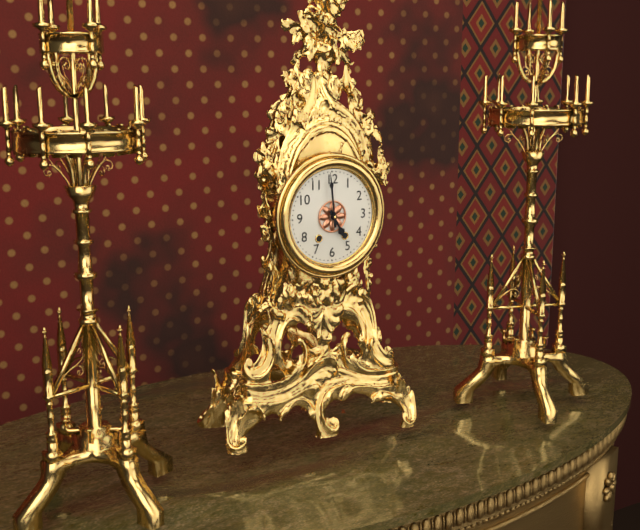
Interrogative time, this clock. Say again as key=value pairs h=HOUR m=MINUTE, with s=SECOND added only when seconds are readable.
h=4 m=59
